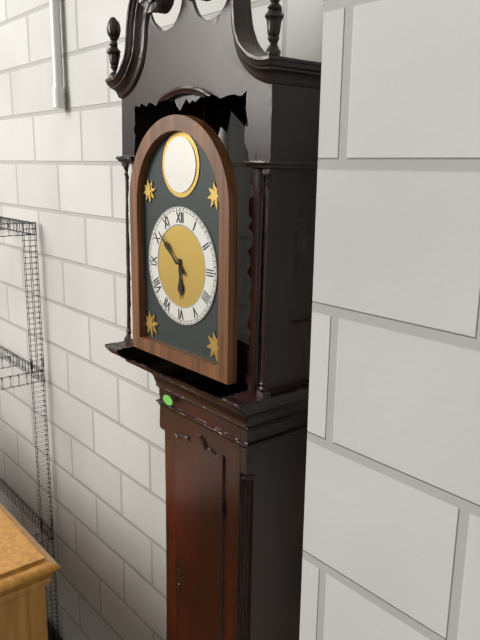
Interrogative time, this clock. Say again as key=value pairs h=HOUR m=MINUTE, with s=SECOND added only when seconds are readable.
h=5 m=52
